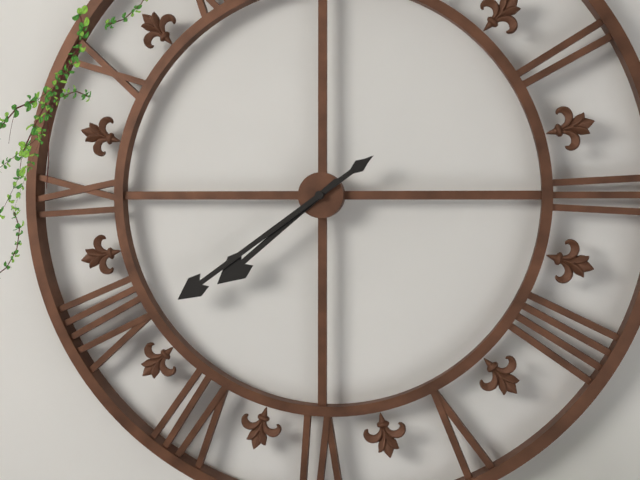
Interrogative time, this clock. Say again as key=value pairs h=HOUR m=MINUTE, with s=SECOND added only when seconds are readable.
h=7 m=39
